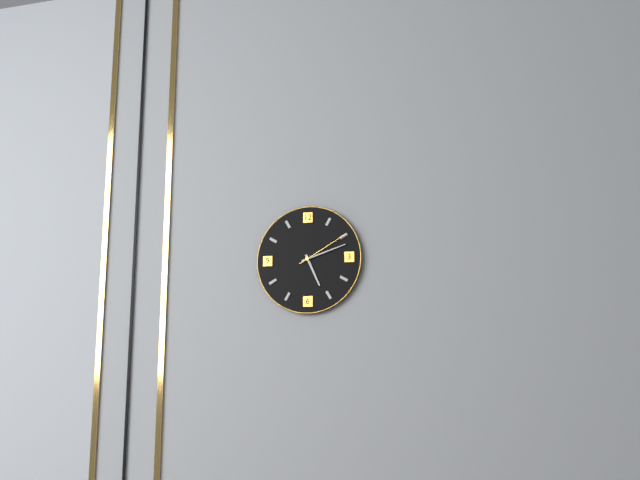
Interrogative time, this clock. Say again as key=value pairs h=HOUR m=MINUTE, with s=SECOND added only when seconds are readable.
h=5 m=12 s=10
